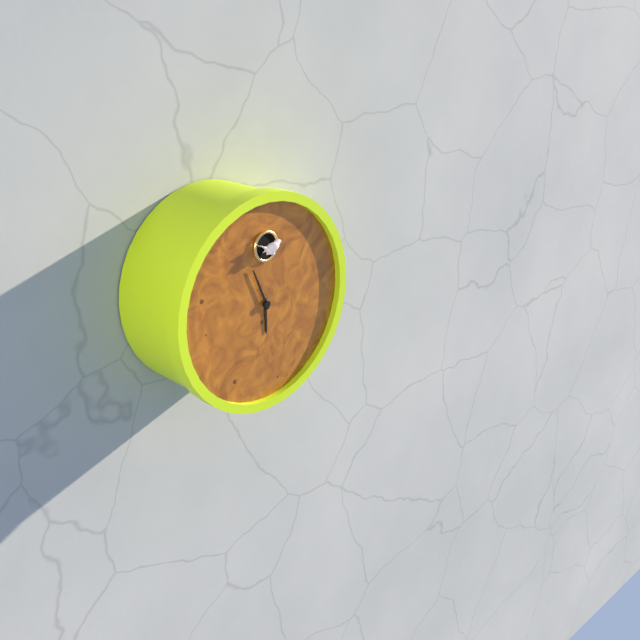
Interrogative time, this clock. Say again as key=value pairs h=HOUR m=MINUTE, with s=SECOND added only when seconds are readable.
h=5 m=56
